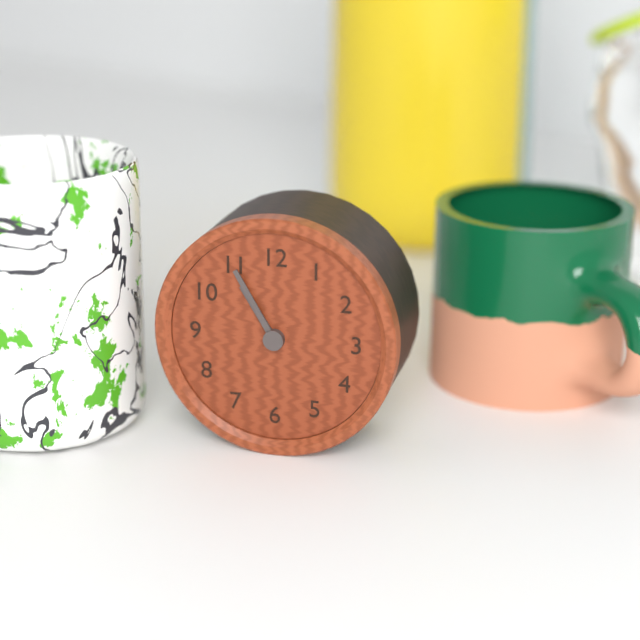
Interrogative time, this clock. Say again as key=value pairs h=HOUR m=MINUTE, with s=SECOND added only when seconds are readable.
h=10 m=55
